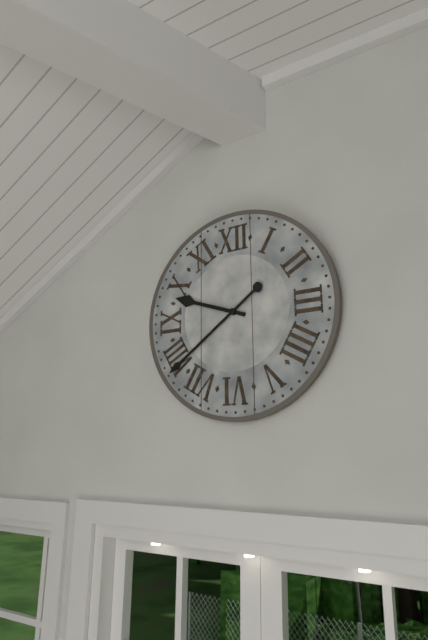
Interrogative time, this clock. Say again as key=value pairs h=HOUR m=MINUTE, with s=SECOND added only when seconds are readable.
h=9 m=39
